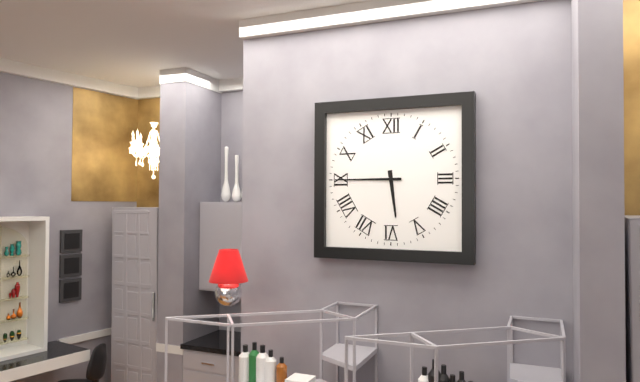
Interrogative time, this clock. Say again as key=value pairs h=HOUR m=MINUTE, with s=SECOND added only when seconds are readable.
h=5 m=45
